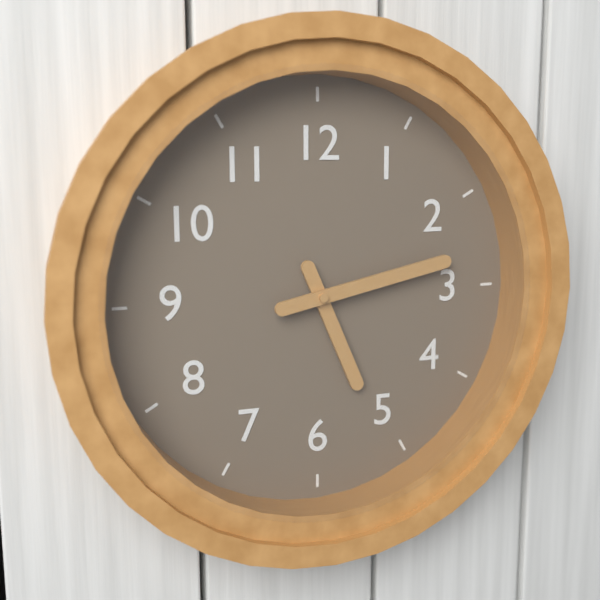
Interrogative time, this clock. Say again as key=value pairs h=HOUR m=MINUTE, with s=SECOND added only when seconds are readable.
h=5 m=13
